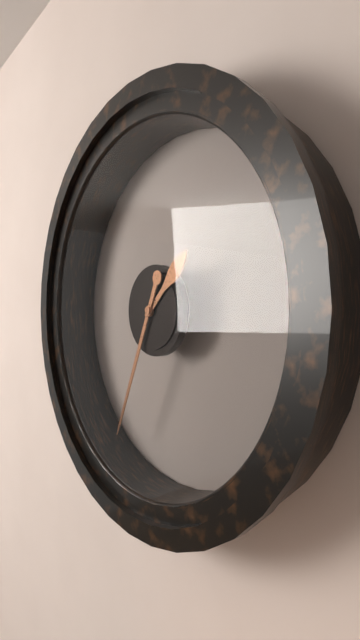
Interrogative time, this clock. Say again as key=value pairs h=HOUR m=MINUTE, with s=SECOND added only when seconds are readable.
h=1 m=34
